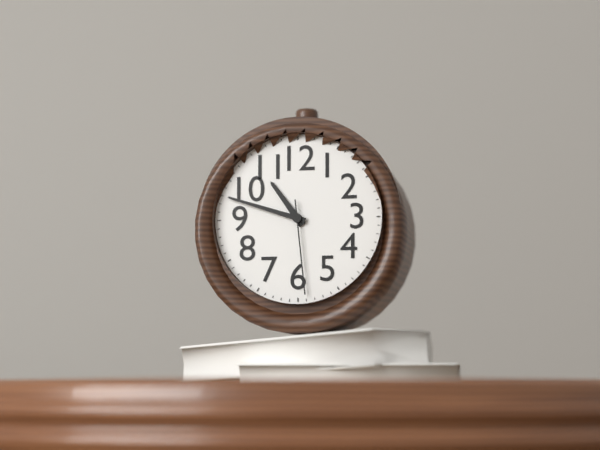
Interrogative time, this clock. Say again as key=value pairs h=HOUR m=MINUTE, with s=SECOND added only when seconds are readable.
h=10 m=48 s=29
